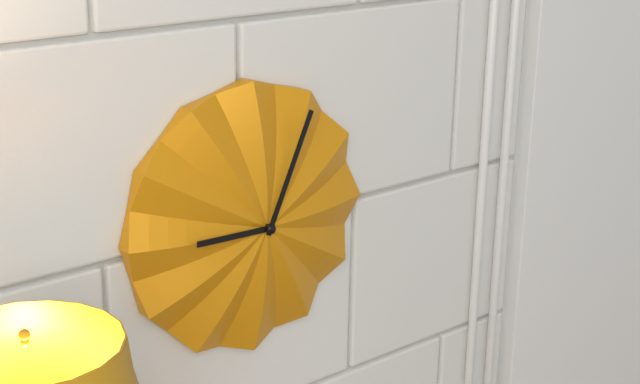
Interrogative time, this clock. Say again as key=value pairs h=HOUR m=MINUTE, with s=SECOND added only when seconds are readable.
h=9 m=4
